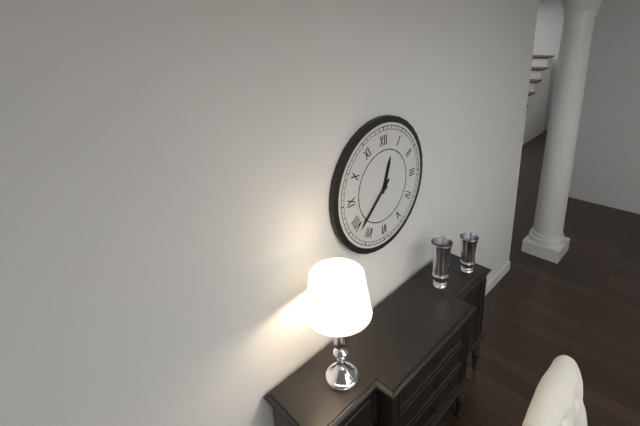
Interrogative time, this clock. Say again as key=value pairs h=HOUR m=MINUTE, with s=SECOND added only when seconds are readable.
h=12 m=38
